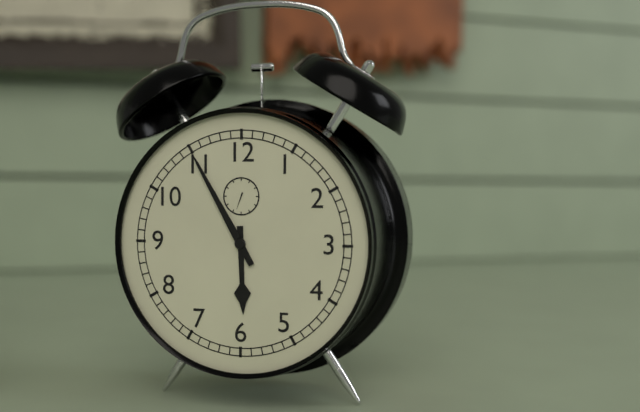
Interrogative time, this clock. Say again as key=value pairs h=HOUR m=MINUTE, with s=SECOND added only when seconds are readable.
h=5 m=55
